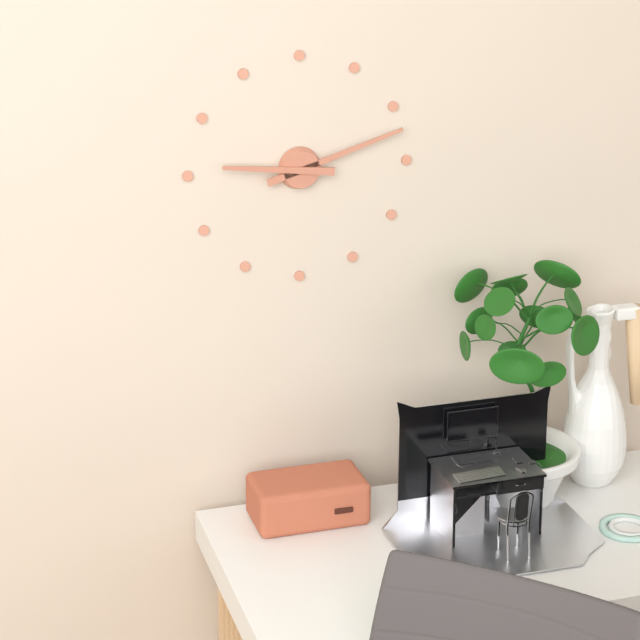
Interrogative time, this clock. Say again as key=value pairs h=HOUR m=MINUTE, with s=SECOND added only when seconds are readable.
h=9 m=12
